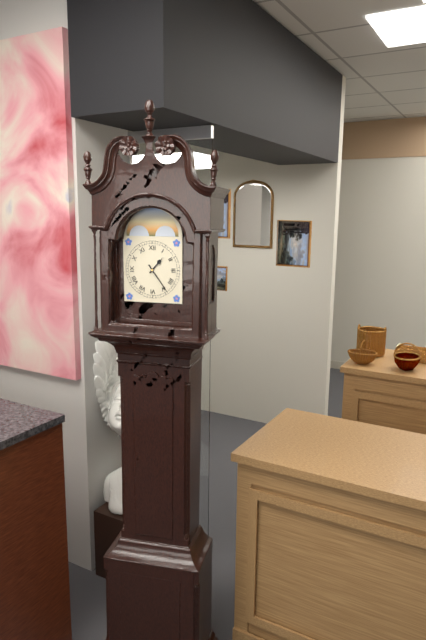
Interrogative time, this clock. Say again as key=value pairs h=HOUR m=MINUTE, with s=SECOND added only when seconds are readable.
h=1 m=24
